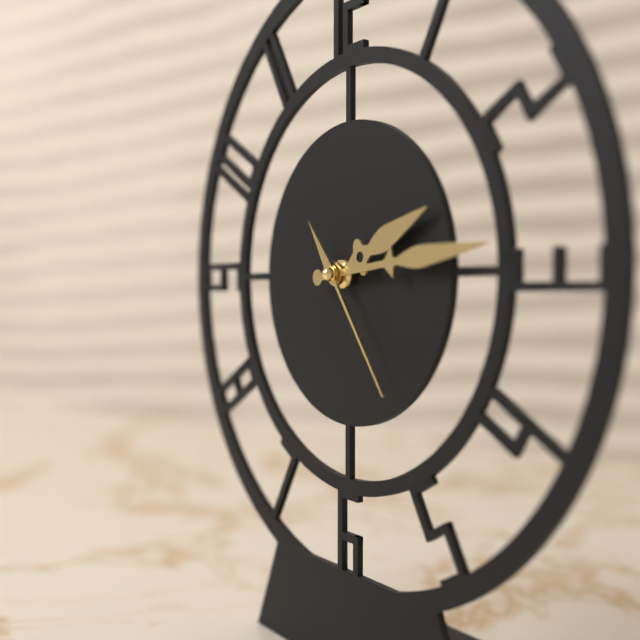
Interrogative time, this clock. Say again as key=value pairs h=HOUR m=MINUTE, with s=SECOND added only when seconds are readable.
h=2 m=14 s=24
